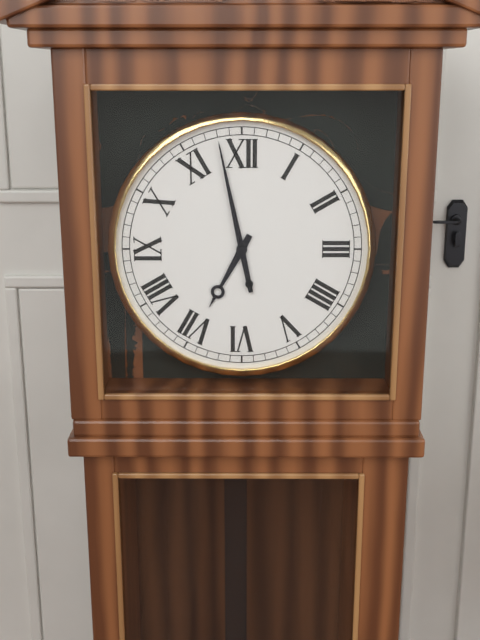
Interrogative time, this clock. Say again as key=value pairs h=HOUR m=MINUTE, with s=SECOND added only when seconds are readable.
h=6 m=58
